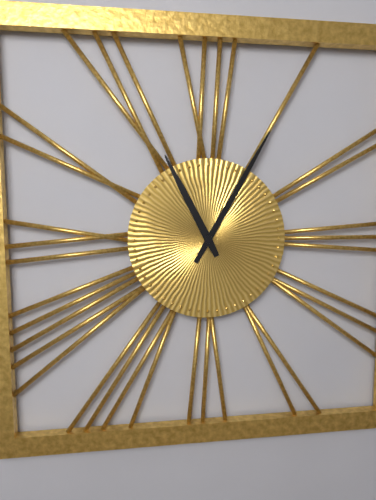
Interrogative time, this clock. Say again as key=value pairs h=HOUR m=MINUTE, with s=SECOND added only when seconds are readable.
h=11 m=5
